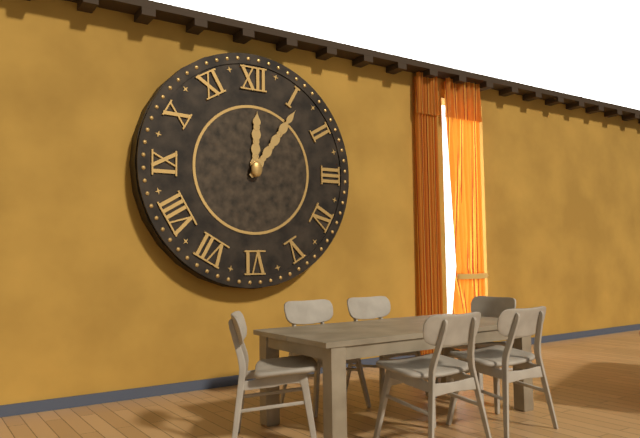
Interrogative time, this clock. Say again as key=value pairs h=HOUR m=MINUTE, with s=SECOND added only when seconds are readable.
h=12 m=6
